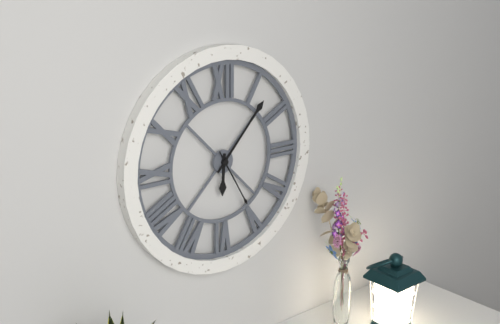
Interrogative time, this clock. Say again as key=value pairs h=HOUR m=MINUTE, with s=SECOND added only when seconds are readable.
h=6 m=7 s=25
